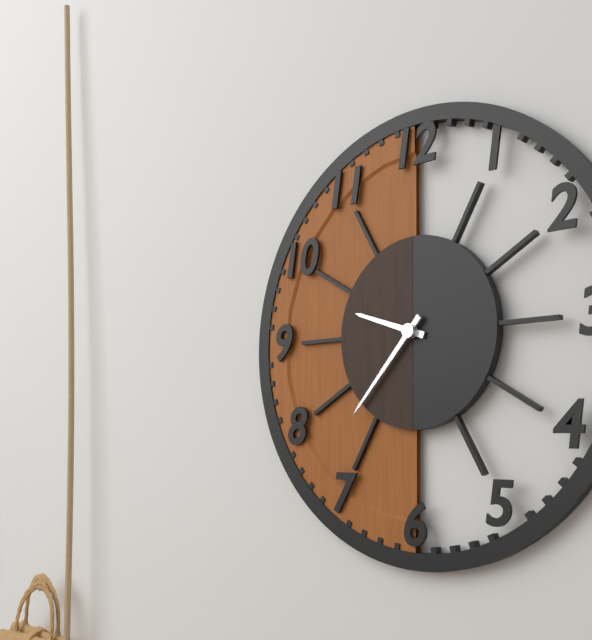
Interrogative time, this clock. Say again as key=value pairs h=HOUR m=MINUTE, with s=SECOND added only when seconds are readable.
h=9 m=37
